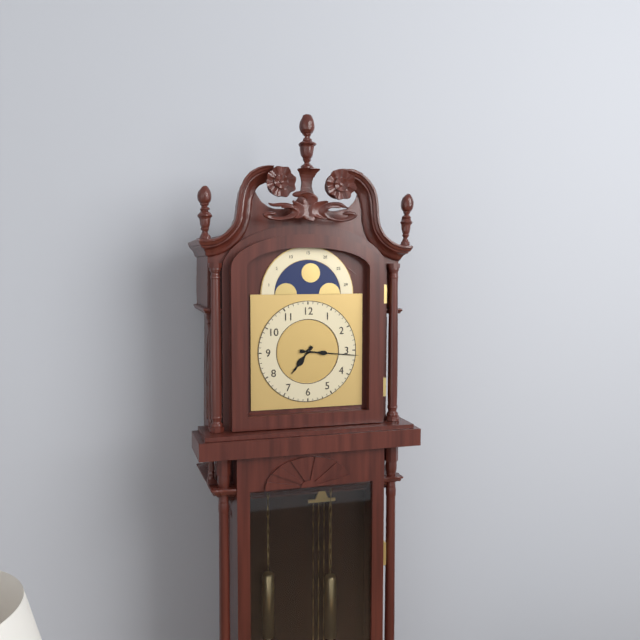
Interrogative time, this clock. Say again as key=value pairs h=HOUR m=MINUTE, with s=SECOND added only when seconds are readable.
h=7 m=16
